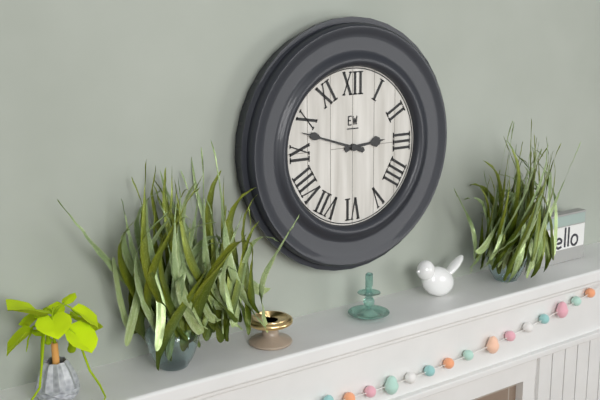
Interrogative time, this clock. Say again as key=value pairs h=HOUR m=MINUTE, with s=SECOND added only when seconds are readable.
h=2 m=48
